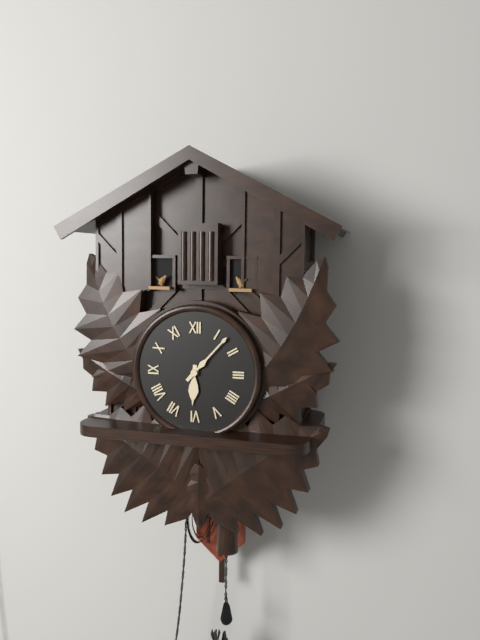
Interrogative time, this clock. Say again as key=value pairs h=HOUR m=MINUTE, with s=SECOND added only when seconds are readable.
h=6 m=7
